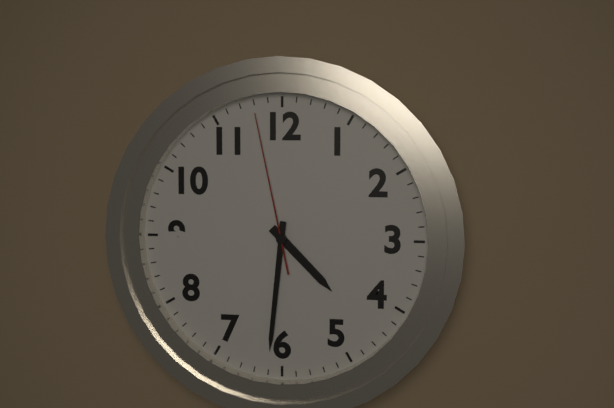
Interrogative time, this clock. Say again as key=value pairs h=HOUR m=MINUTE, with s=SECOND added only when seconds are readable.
h=4 m=31 s=58
